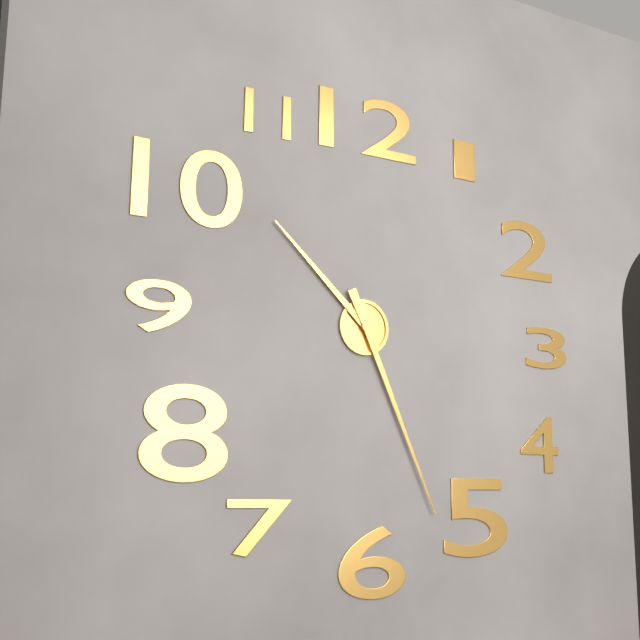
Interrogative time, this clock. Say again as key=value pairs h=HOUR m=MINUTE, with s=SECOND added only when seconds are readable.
h=10 m=26
